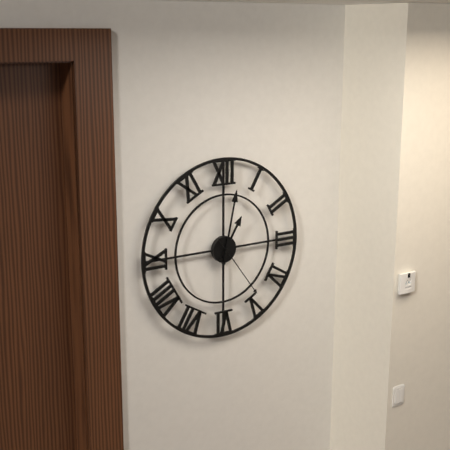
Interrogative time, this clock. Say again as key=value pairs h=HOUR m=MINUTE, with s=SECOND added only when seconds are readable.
h=1 m=2 s=24
